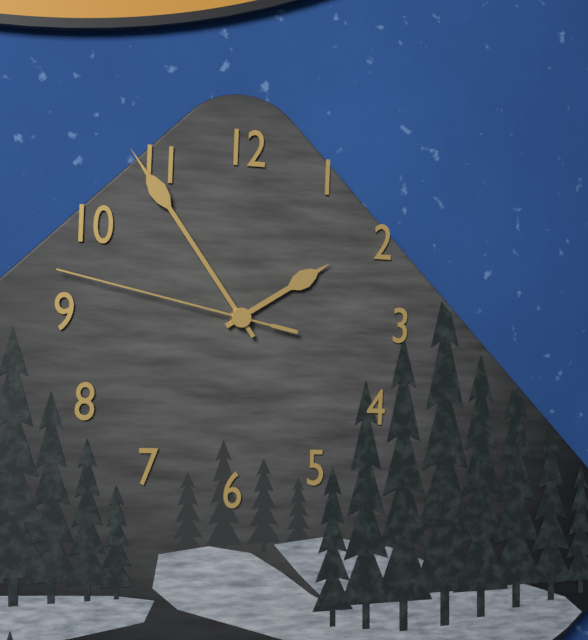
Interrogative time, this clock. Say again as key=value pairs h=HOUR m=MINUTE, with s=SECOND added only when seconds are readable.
h=1 m=54 s=47
